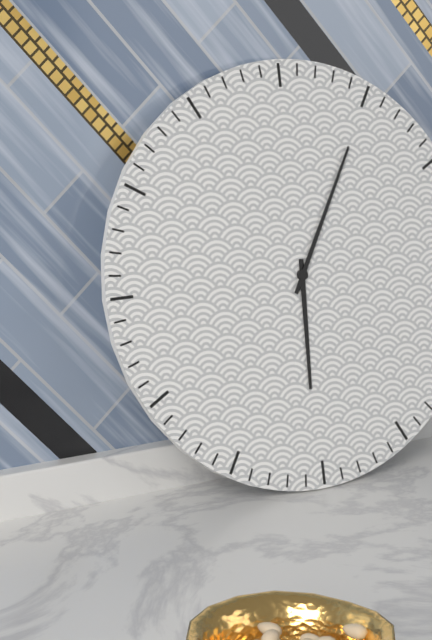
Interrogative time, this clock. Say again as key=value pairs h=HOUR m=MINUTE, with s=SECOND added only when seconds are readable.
h=6 m=5
